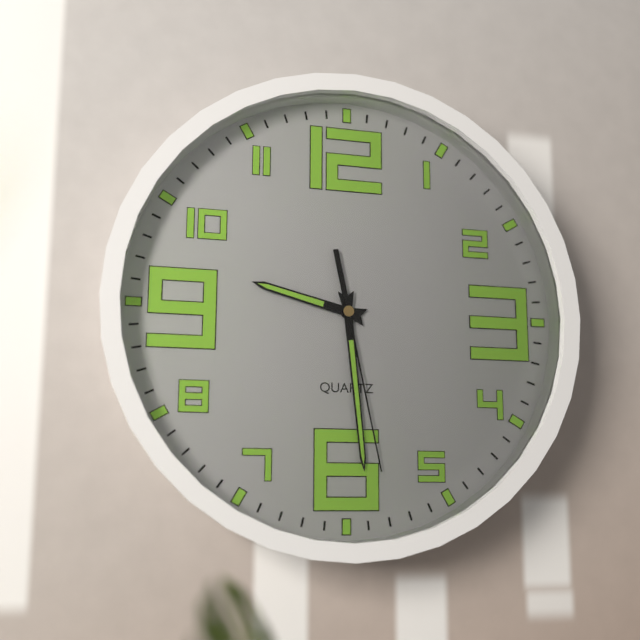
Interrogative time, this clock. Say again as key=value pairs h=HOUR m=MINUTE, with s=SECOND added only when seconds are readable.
h=9 m=29 s=28
